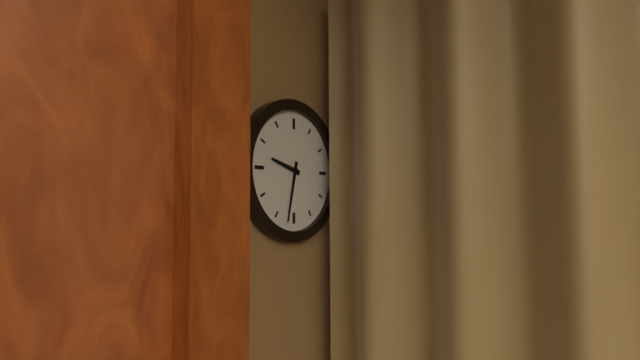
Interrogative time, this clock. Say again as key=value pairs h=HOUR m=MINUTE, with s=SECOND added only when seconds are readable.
h=9 m=32
